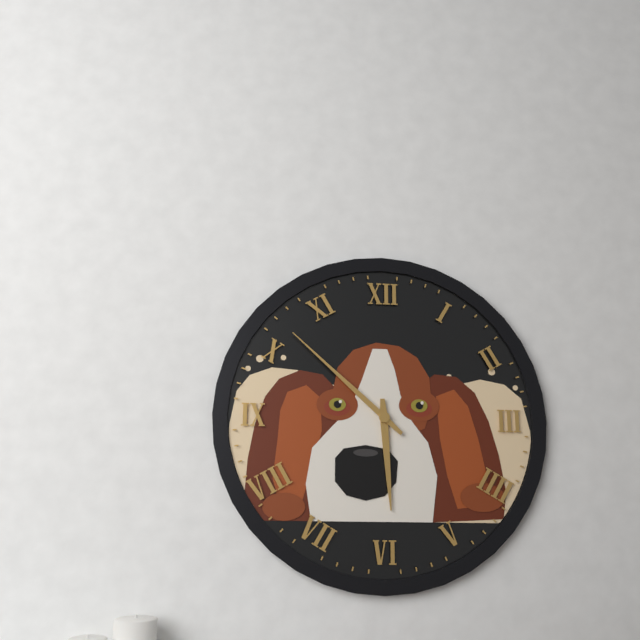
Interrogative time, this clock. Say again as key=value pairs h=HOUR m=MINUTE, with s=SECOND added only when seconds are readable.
h=5 m=52
